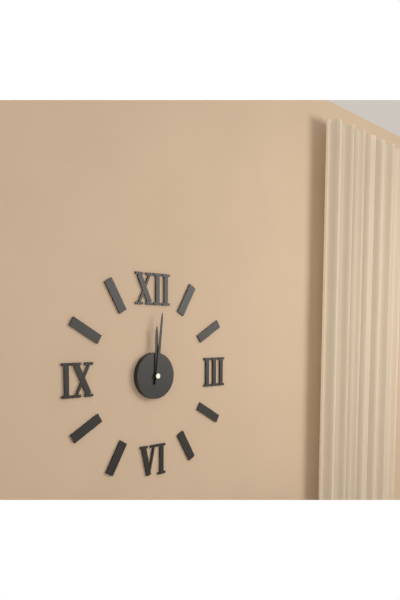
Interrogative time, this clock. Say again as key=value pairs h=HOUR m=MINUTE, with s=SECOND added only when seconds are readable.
h=12 m=1
